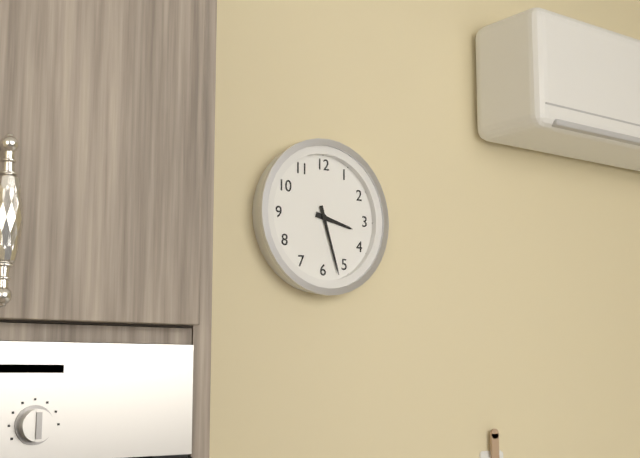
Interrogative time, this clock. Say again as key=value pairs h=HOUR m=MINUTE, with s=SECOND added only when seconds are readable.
h=3 m=27
